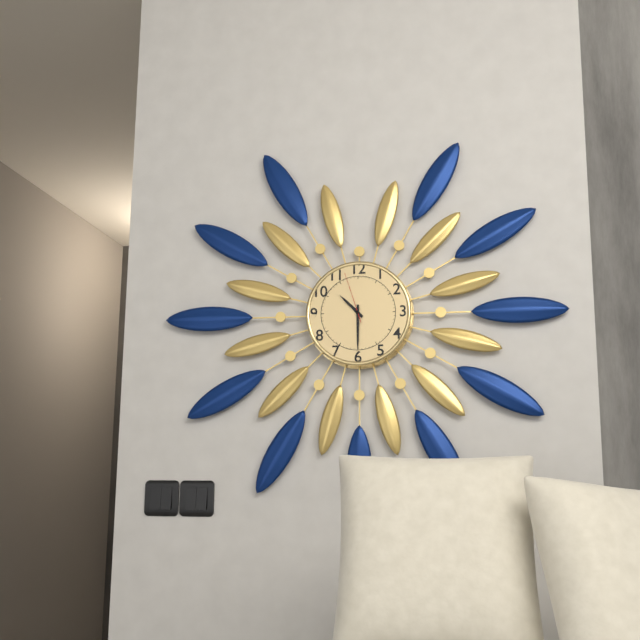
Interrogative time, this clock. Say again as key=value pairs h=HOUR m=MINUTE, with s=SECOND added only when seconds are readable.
h=10 m=30 s=57
